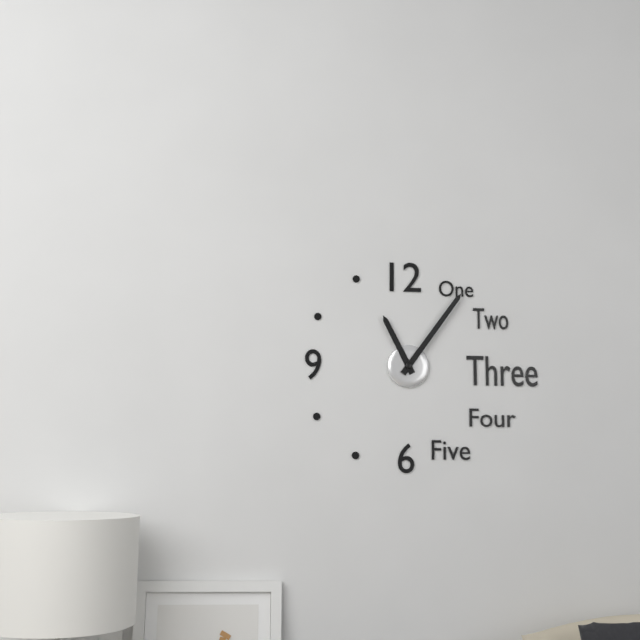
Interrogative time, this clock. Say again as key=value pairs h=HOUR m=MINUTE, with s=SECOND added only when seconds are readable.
h=11 m=6
